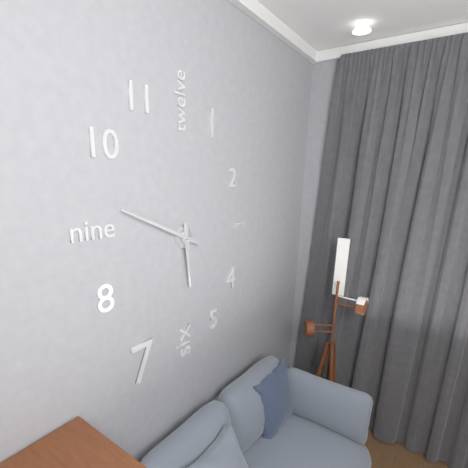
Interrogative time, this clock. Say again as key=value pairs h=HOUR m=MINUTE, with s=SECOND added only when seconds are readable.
h=5 m=49
